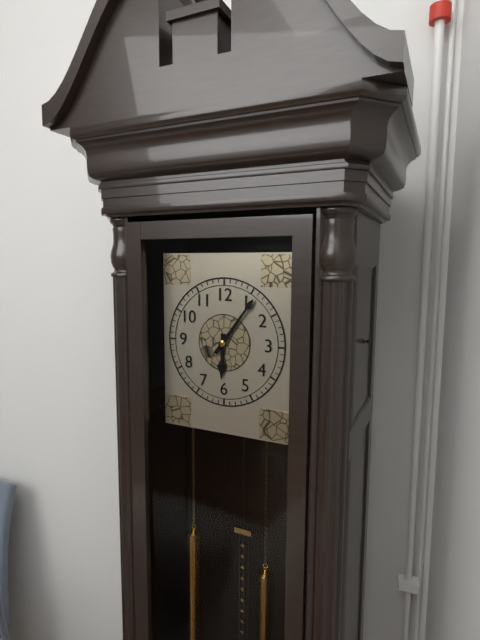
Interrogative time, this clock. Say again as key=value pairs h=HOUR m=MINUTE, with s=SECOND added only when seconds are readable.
h=6 m=6
